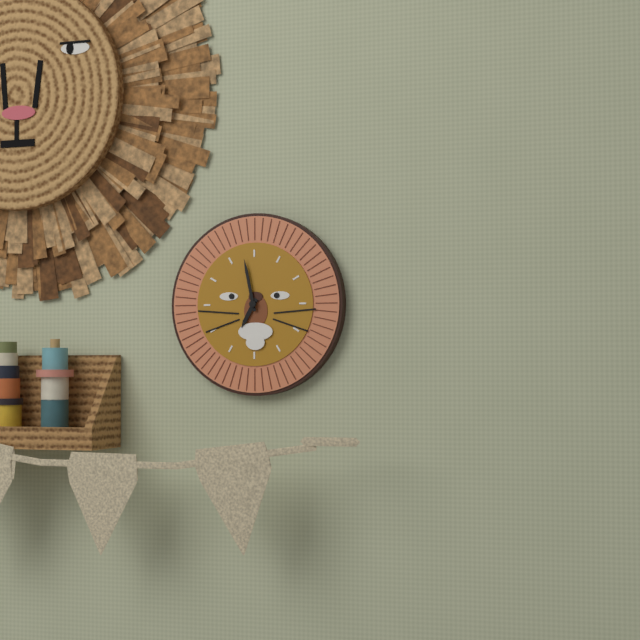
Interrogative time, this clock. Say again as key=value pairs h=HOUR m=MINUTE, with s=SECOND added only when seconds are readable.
h=6 m=58
